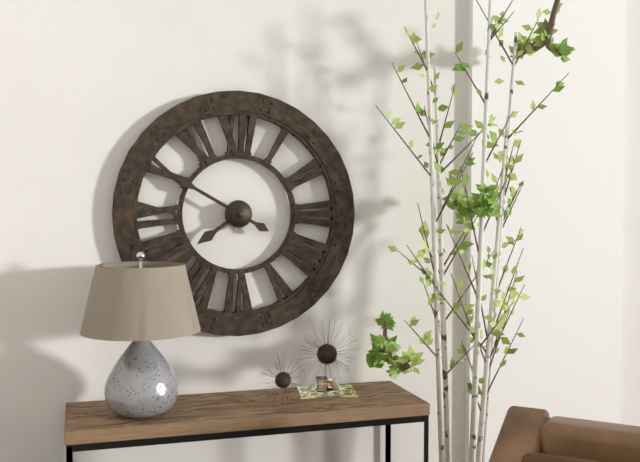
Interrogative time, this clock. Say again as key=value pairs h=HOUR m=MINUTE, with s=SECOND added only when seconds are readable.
h=7 m=50
